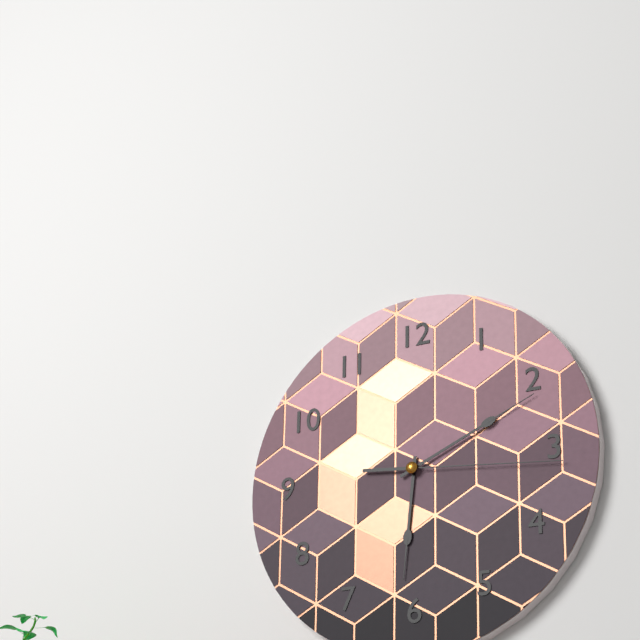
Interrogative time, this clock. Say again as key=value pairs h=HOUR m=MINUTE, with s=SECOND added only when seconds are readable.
h=6 m=11 s=16
